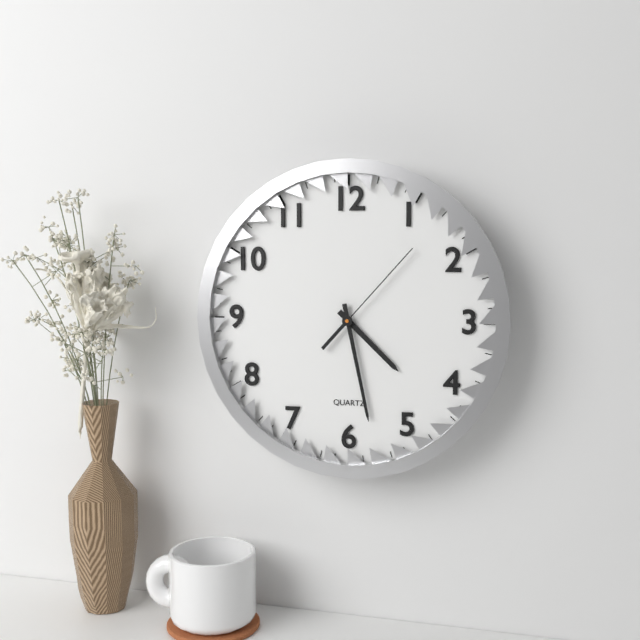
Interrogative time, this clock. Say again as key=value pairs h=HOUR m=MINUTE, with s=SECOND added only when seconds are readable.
h=4 m=28 s=7
